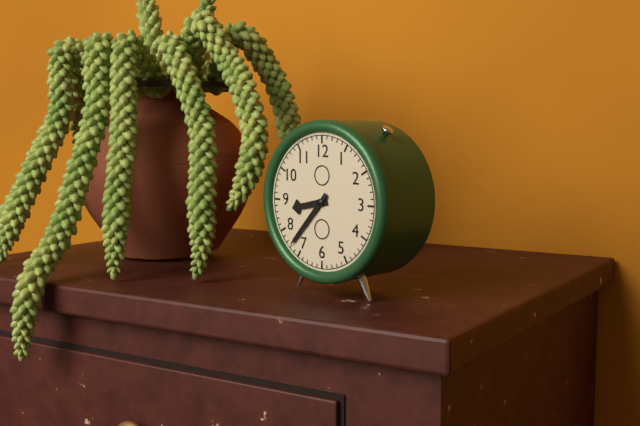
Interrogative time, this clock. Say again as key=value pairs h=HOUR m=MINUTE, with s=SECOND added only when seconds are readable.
h=8 m=37
